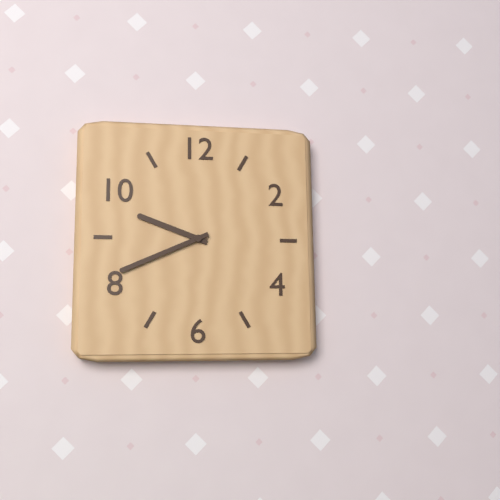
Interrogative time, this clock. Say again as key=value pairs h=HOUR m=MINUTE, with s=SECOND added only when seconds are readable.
h=9 m=41
